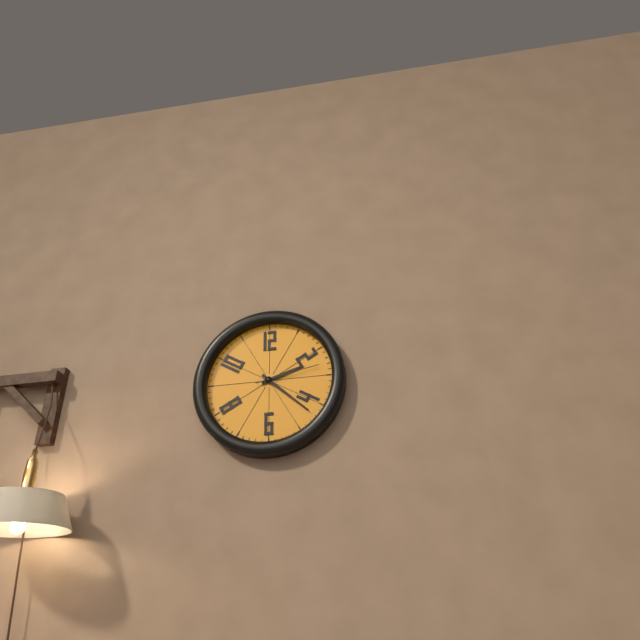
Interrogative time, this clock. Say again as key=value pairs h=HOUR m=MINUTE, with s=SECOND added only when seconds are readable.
h=2 m=22 s=13
